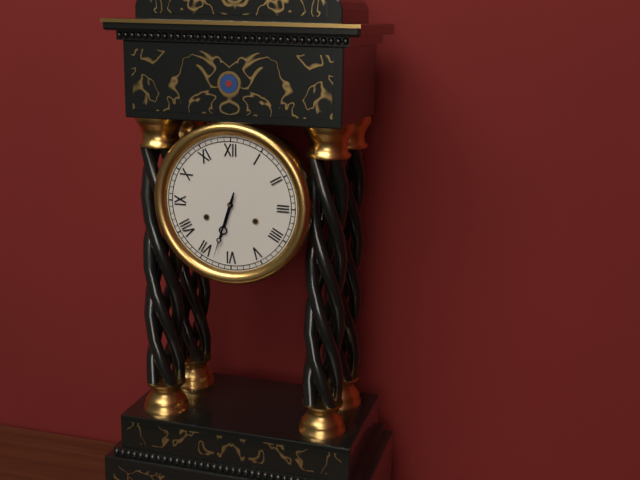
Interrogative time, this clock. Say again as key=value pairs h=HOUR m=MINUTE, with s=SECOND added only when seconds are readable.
h=6 m=33
